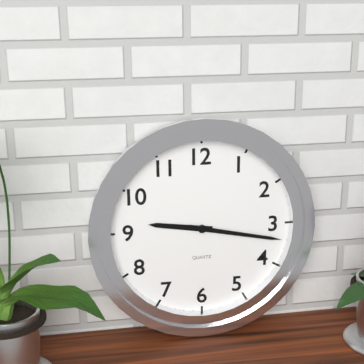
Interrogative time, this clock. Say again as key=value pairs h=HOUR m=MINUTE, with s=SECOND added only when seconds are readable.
h=9 m=17
